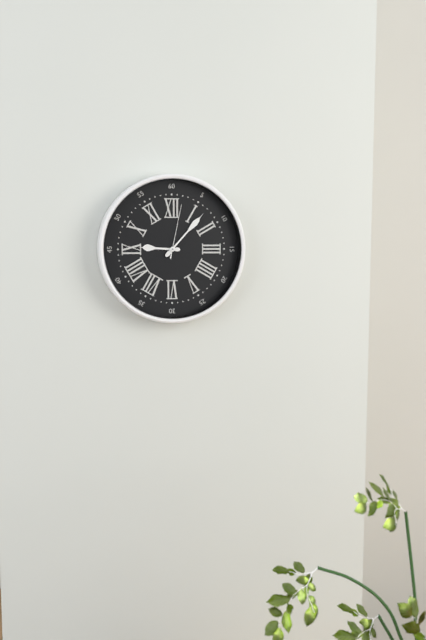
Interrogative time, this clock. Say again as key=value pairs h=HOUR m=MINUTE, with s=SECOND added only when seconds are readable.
h=9 m=7 s=2
